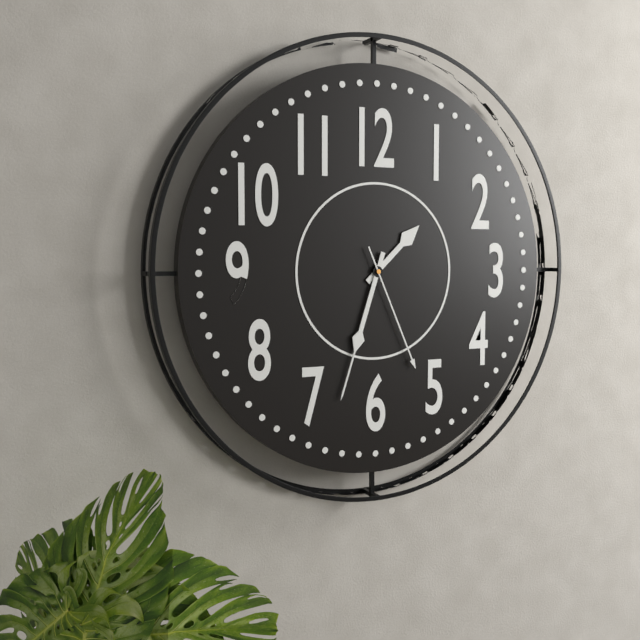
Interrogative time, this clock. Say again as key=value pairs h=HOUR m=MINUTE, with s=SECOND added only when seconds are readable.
h=1 m=33 s=26
